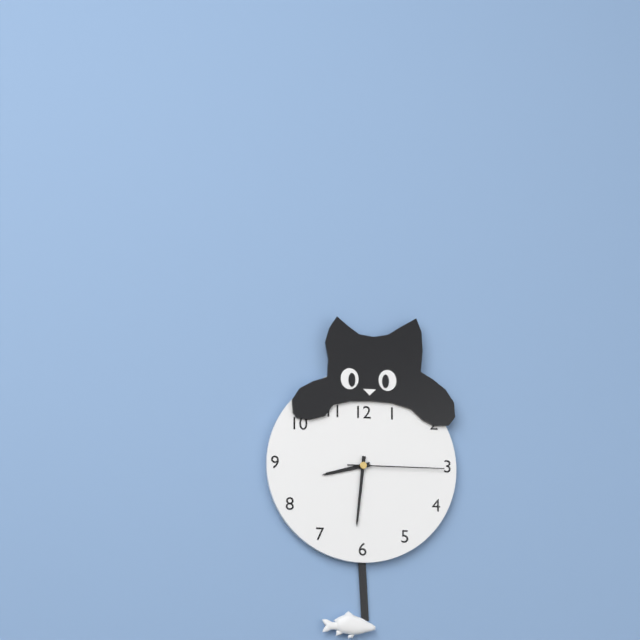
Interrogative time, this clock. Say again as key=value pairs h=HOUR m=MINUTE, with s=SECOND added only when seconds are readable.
h=8 m=31 s=15
